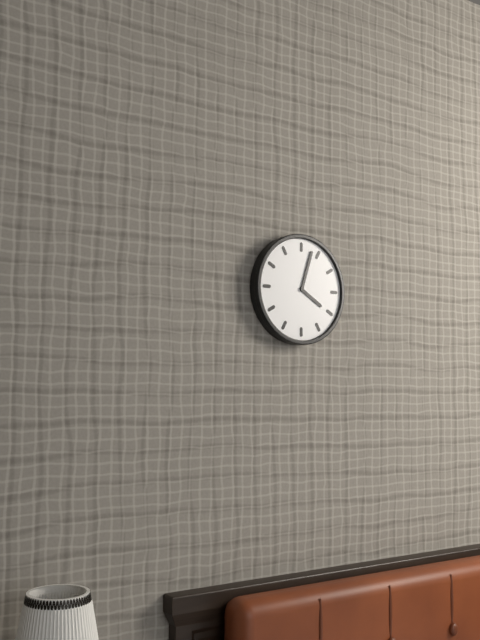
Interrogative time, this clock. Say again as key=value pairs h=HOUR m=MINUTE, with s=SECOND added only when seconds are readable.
h=4 m=3
